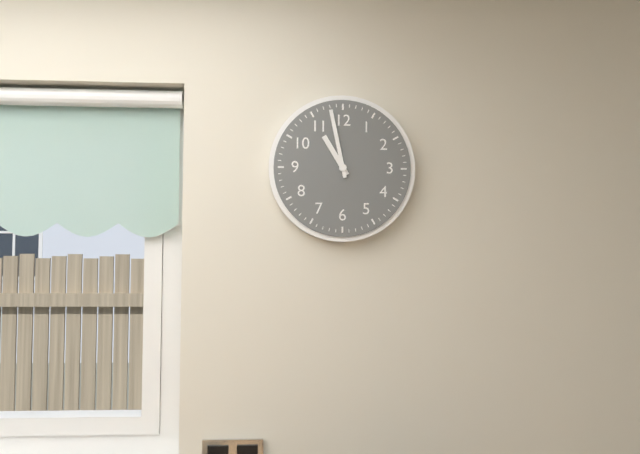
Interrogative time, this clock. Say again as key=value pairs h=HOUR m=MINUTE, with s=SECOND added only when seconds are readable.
h=10 m=58
